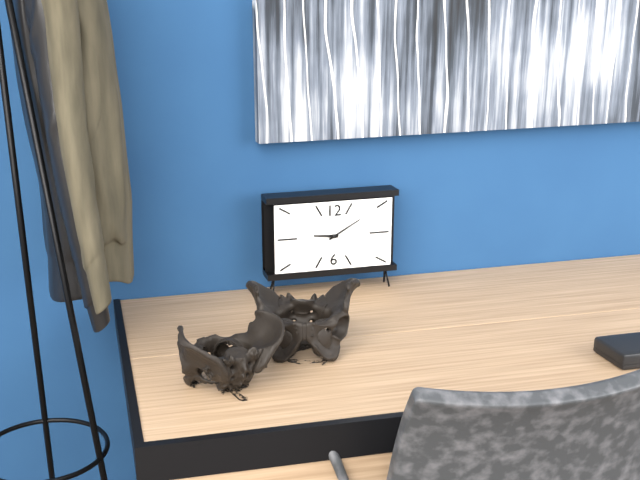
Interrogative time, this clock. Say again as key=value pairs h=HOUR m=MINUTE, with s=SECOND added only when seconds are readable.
h=9 m=10
